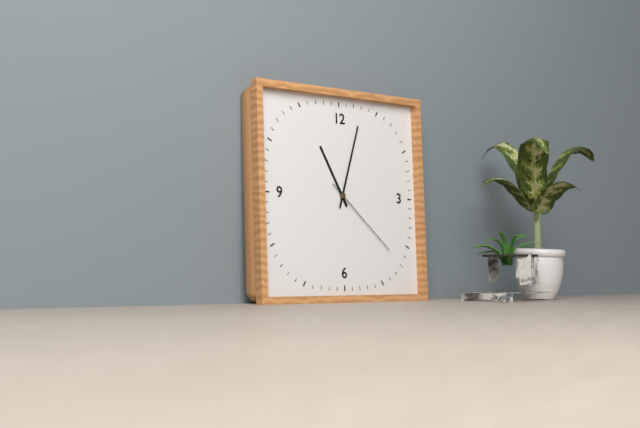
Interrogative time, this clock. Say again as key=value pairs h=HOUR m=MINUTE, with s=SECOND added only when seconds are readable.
h=11 m=3 s=22
